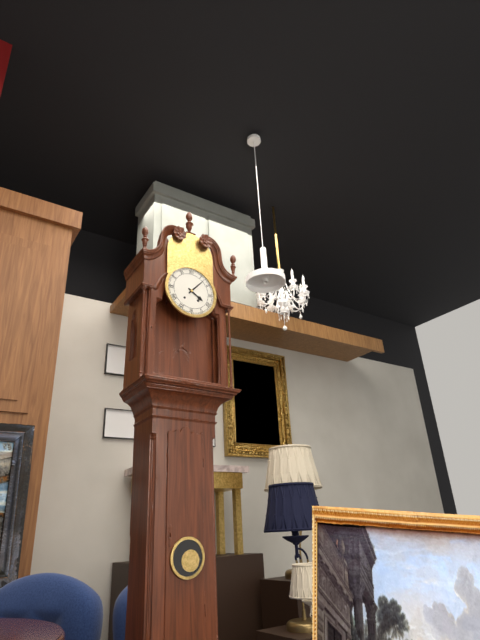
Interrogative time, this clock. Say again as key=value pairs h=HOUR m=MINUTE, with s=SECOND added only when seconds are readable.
h=4 m=7
